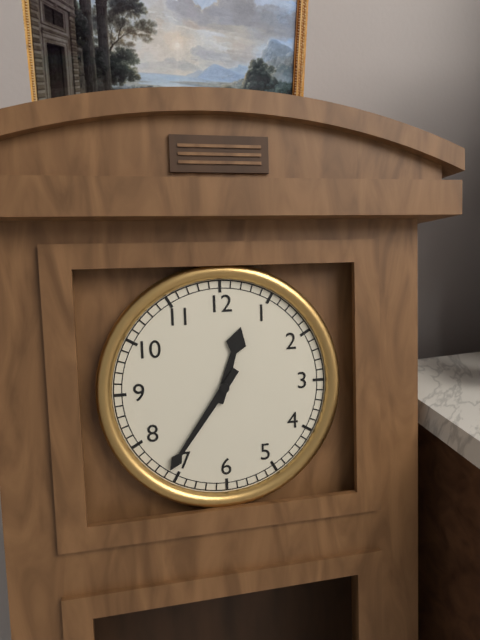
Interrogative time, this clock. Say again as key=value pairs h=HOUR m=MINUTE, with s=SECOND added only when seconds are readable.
h=12 m=36
